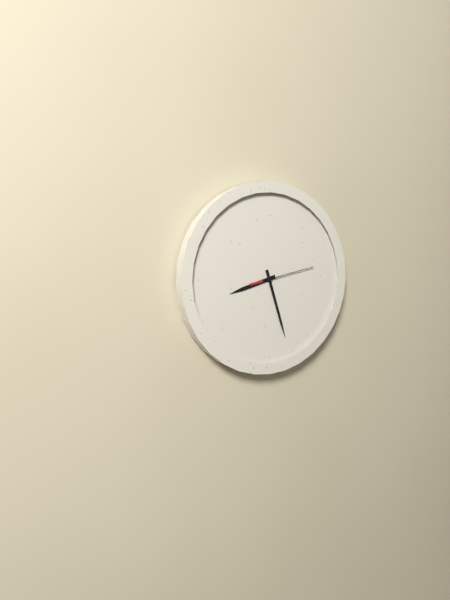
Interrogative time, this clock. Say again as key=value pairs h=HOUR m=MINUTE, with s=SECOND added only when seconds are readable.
h=8 m=27 s=13
